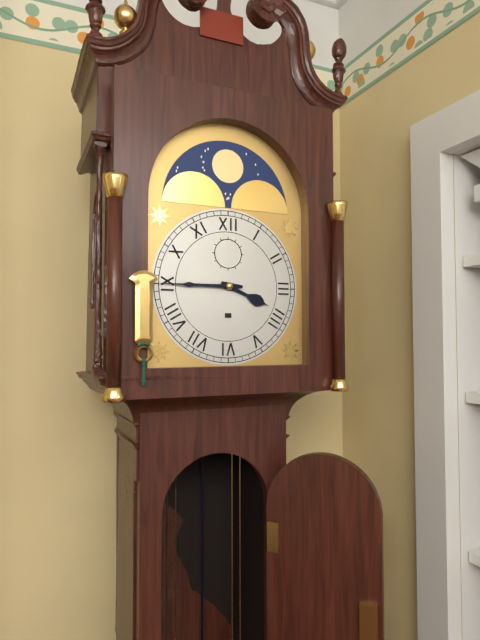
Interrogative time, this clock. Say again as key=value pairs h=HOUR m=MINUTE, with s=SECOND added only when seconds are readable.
h=3 m=45
